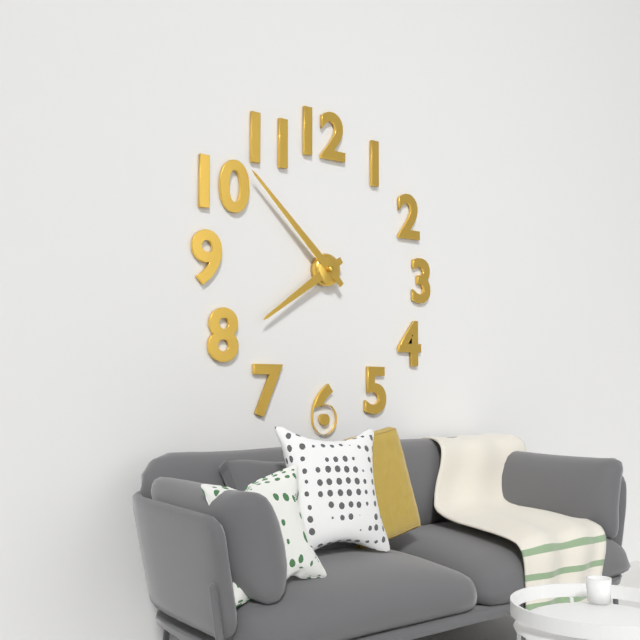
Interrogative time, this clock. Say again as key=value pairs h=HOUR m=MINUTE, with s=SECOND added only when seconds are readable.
h=7 m=52
